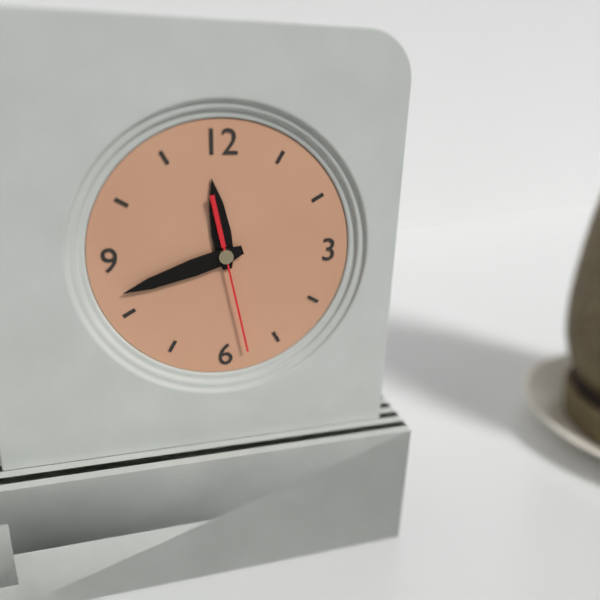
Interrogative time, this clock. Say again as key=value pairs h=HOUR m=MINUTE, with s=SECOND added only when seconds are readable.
h=11 m=42 s=28
